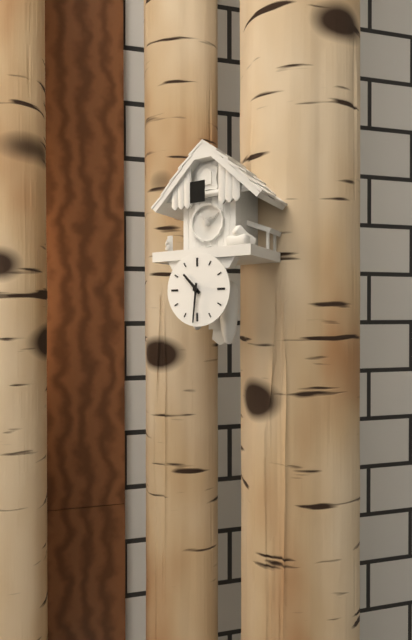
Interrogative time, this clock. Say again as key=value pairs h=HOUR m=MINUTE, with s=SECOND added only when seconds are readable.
h=10 m=31
